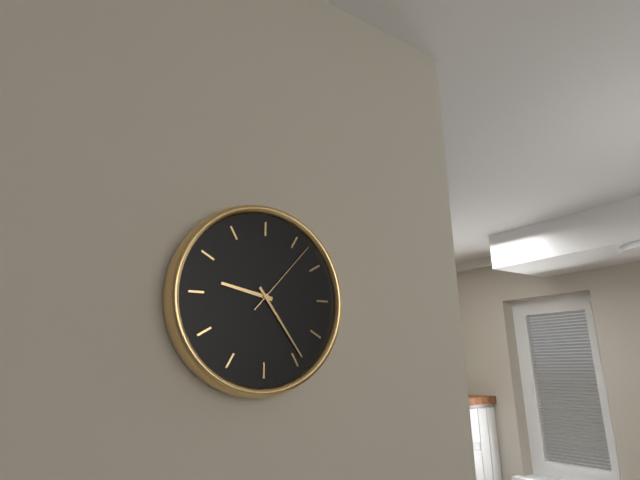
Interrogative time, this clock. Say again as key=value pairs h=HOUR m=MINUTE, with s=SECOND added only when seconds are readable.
h=9 m=24 s=7
